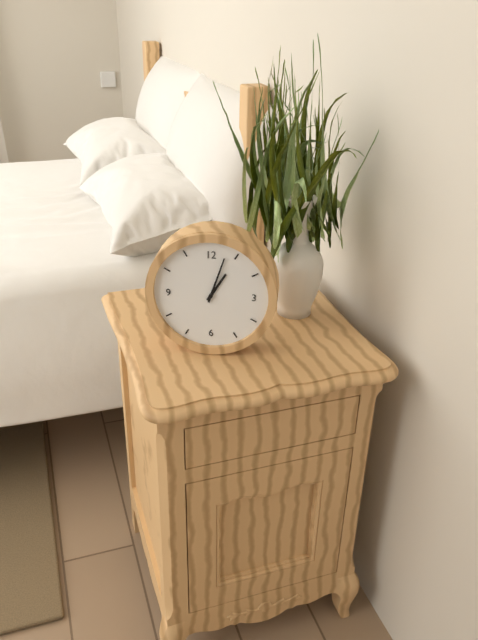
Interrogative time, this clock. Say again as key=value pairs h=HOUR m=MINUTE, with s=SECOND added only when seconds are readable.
h=1 m=3
